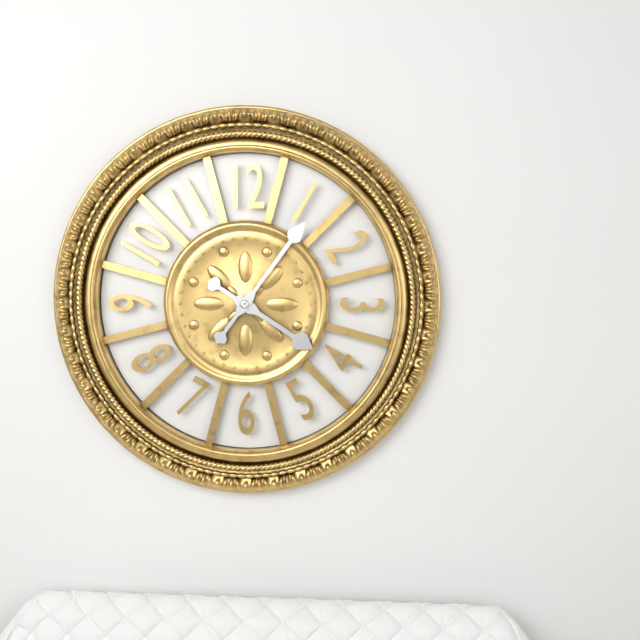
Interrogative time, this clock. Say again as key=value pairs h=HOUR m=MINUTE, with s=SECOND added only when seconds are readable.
h=4 m=6
